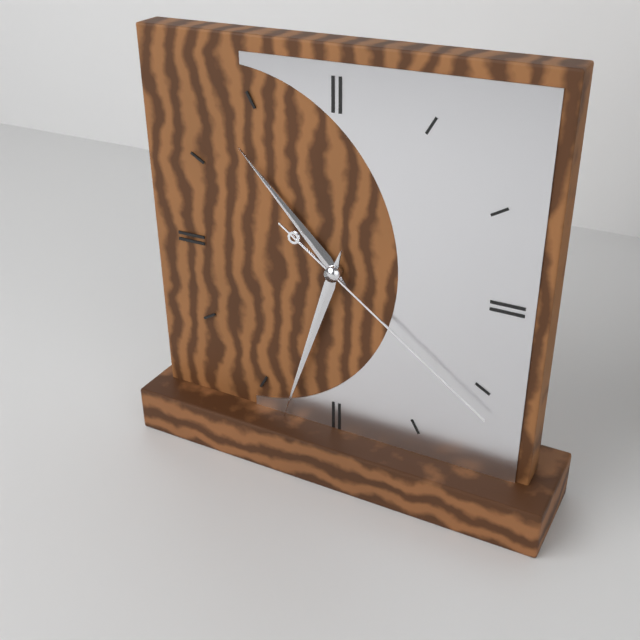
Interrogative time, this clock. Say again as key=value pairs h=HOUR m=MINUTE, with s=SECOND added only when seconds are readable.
h=10 m=33 s=21
